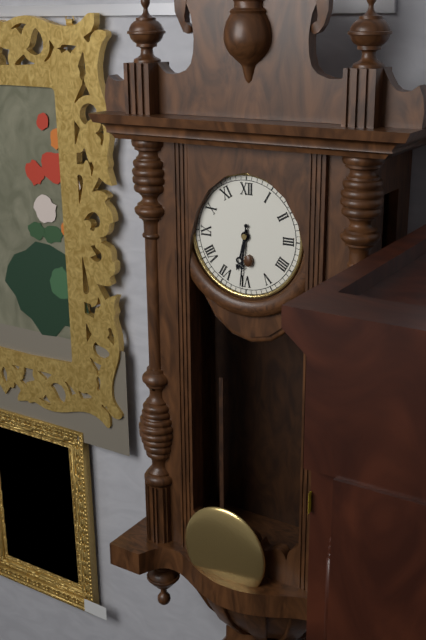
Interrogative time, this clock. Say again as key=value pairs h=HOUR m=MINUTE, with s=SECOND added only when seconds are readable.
h=6 m=31
